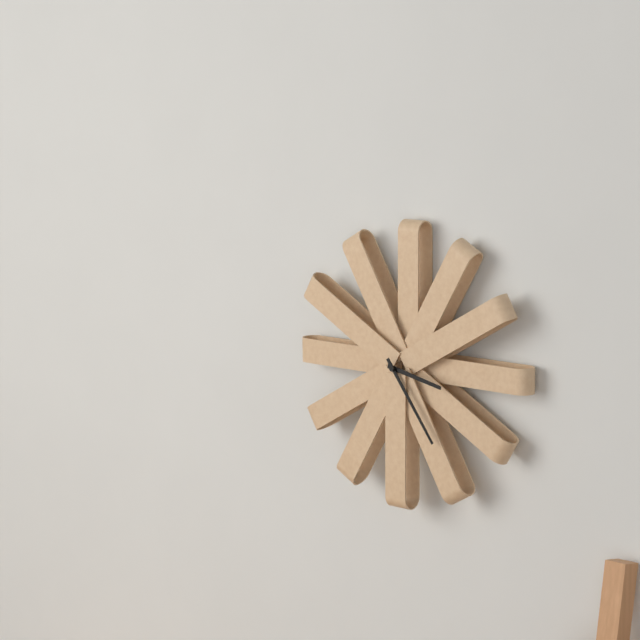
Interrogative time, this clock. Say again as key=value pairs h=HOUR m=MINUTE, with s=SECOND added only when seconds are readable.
h=3 m=24
